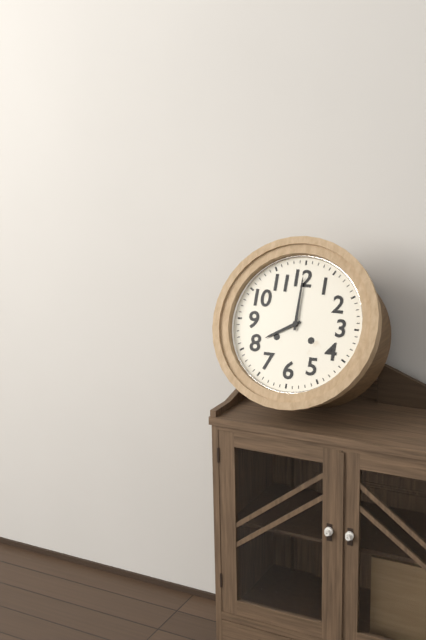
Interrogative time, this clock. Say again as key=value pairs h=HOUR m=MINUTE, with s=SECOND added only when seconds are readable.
h=8 m=0
